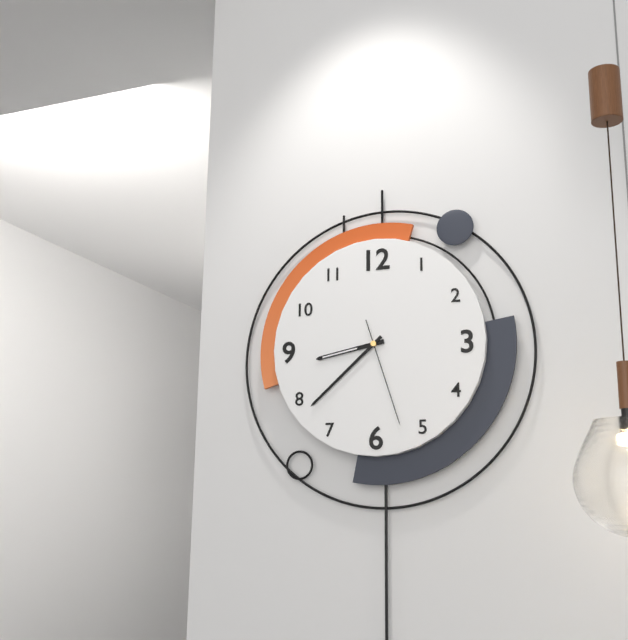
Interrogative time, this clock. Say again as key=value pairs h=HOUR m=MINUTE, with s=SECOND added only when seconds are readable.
h=8 m=38 s=27
